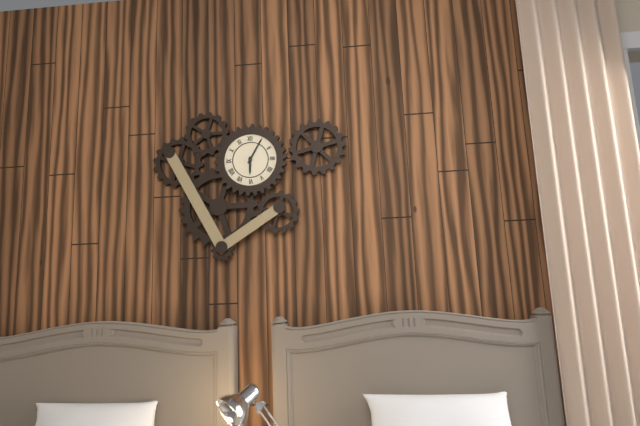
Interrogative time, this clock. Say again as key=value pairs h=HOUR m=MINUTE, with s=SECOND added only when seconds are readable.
h=6 m=5
